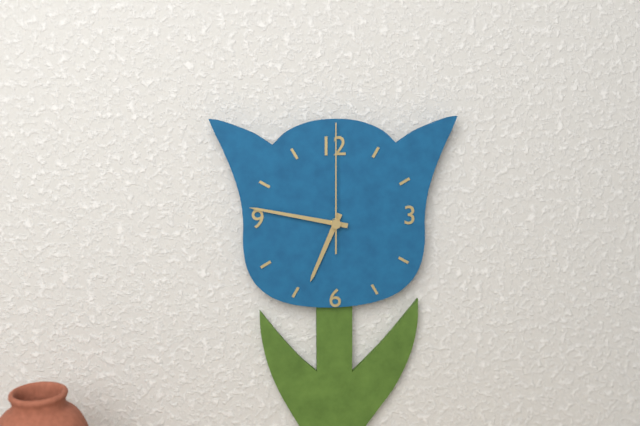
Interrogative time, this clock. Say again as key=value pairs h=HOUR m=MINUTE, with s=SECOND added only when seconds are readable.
h=6 m=47 s=0
